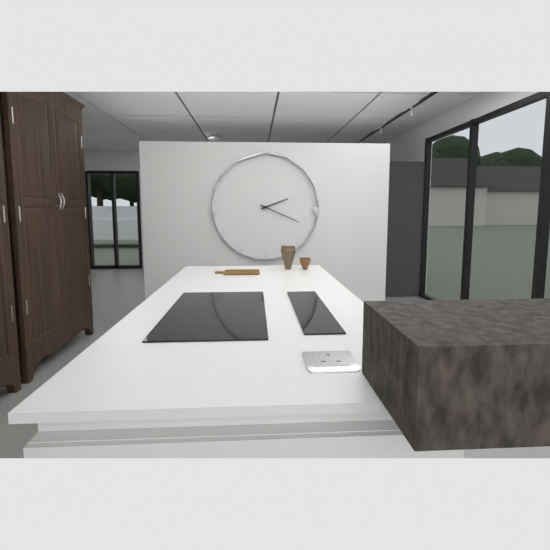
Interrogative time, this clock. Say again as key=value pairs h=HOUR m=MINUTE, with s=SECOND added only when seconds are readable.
h=2 m=19
